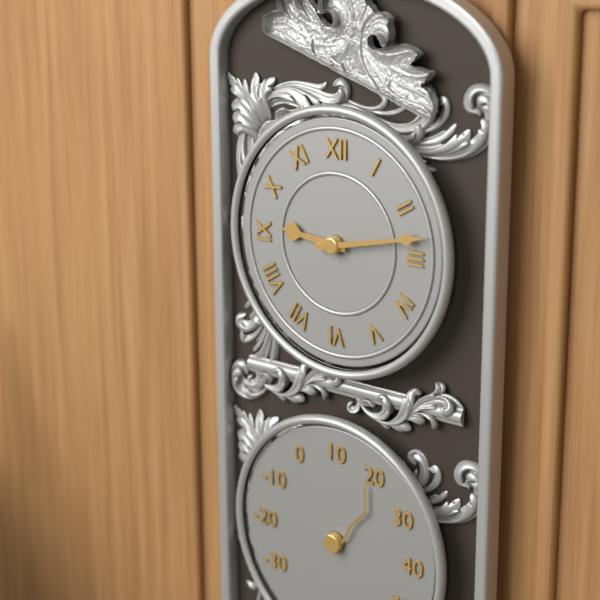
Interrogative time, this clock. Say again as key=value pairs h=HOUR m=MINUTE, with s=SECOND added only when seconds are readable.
h=9 m=13
